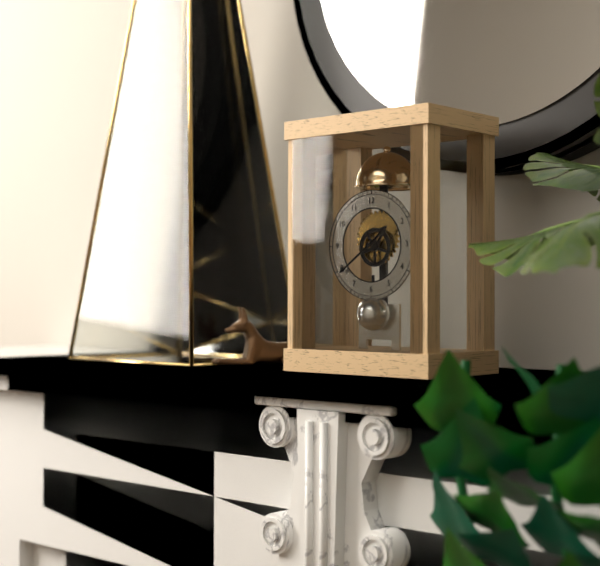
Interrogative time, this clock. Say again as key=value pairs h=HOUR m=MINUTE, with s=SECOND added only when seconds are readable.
h=1 m=39
